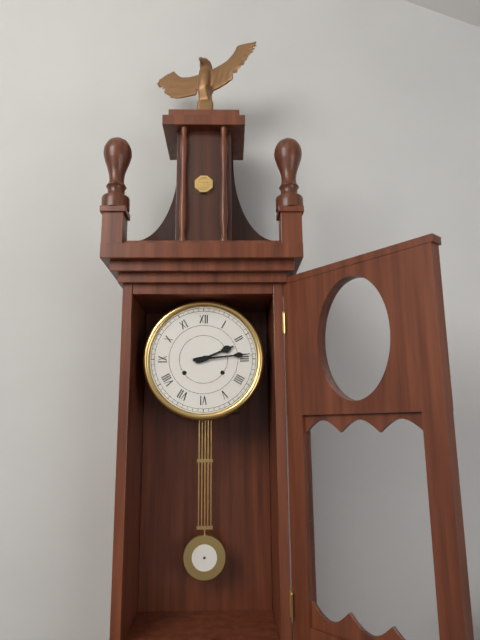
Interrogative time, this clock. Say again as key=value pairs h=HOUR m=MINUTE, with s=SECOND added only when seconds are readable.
h=2 m=14
